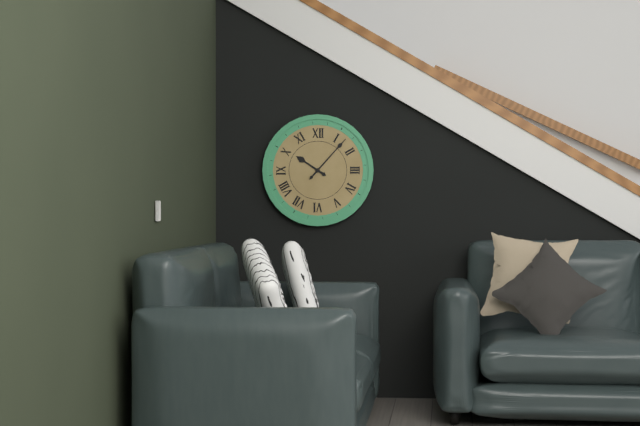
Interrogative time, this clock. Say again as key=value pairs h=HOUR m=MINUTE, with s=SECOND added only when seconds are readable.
h=10 m=7
